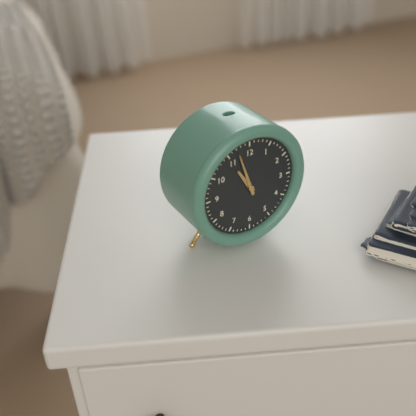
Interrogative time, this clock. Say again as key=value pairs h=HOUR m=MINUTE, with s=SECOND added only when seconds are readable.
h=10 m=57
